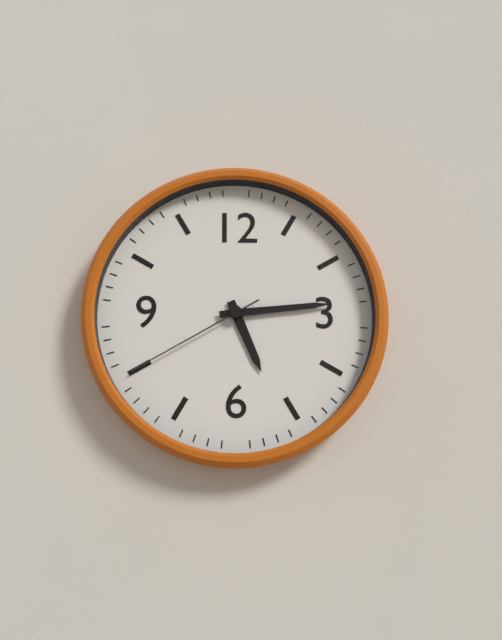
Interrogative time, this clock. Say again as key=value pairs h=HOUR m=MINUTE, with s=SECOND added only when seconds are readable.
h=5 m=14 s=40
